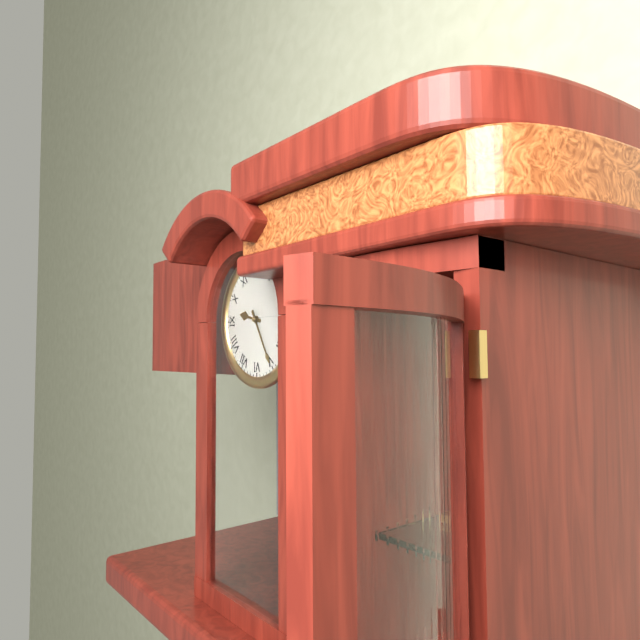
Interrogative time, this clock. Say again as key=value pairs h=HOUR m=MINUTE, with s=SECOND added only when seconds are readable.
h=9 m=25
